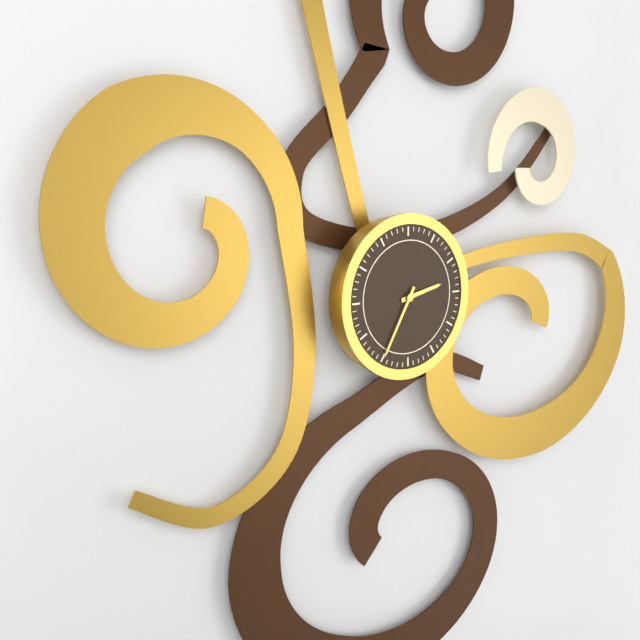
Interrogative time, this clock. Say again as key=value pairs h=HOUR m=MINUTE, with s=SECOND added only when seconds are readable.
h=2 m=35
